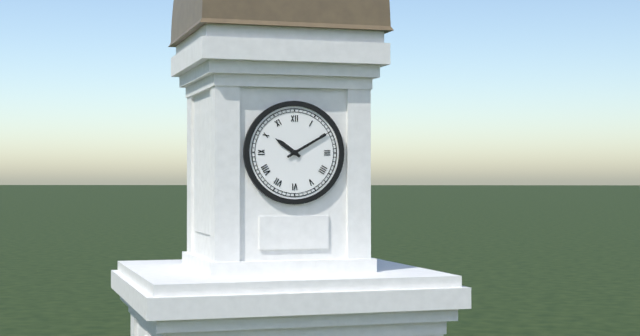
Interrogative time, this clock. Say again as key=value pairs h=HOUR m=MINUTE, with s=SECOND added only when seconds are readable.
h=10 m=10
